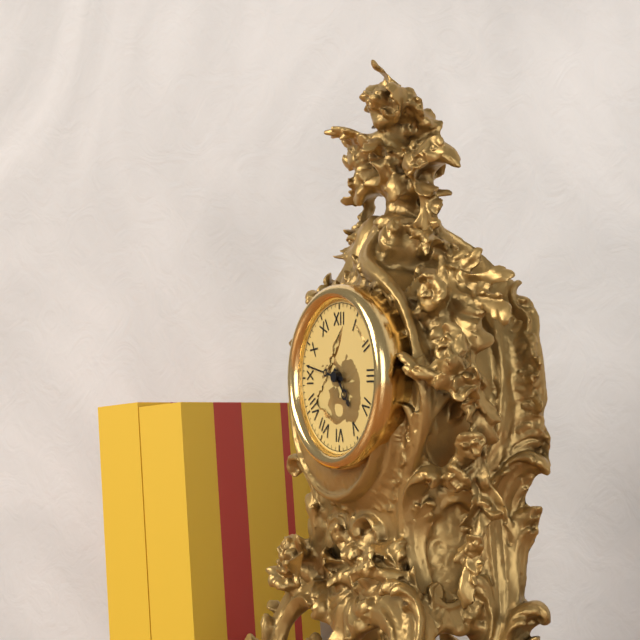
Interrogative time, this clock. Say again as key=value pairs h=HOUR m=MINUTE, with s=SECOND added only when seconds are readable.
h=4 m=47
